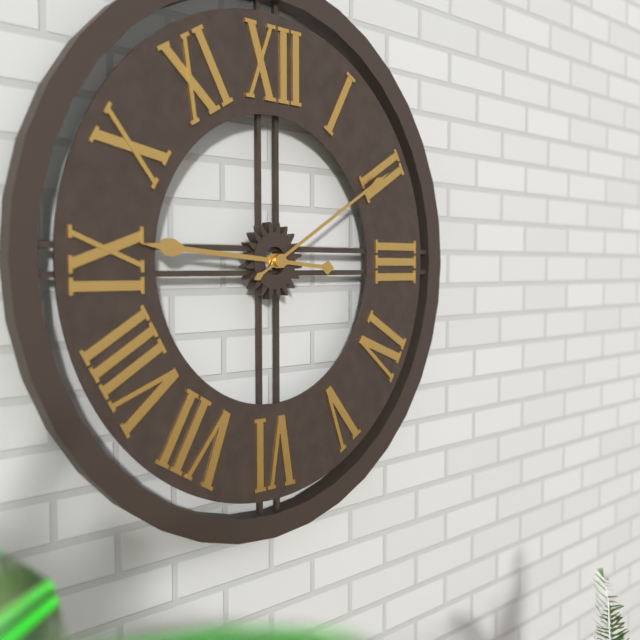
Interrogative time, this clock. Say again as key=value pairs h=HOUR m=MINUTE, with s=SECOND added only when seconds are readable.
h=9 m=10
